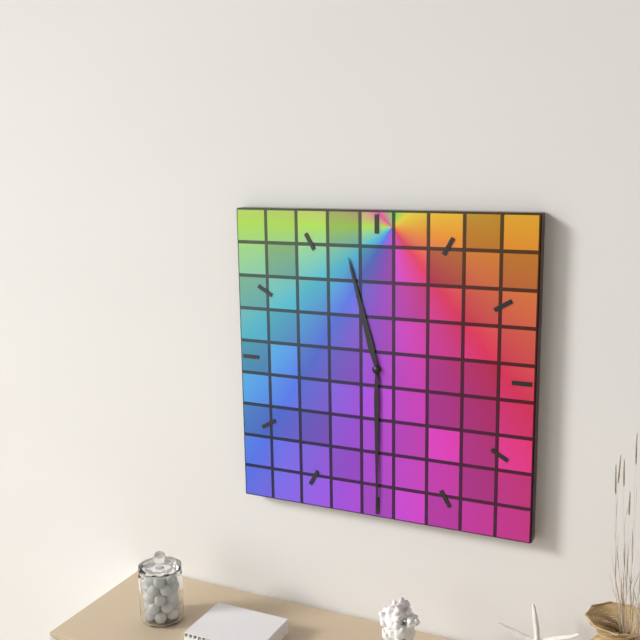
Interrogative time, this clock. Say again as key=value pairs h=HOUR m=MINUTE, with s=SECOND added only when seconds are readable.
h=11 m=30
